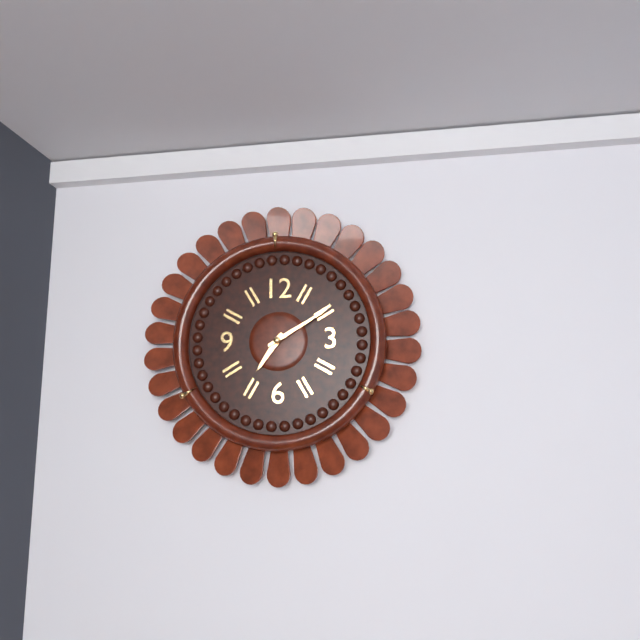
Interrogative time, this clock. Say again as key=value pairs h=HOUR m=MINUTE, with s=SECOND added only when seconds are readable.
h=7 m=10
